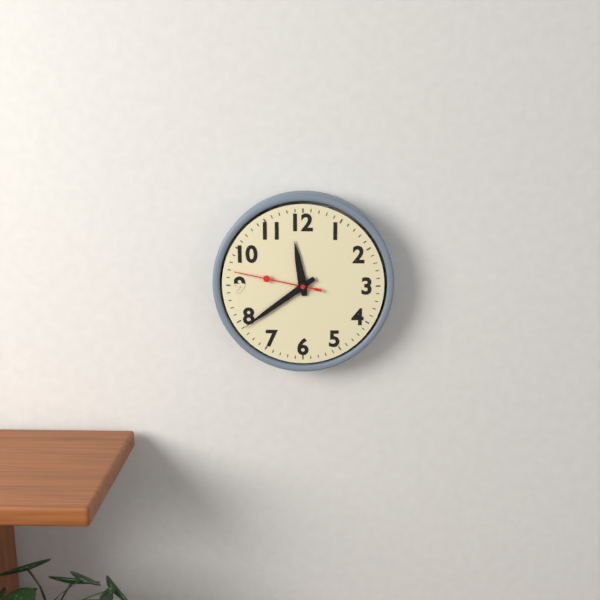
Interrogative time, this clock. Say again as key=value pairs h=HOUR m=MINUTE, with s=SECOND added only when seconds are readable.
h=11 m=39 s=47
